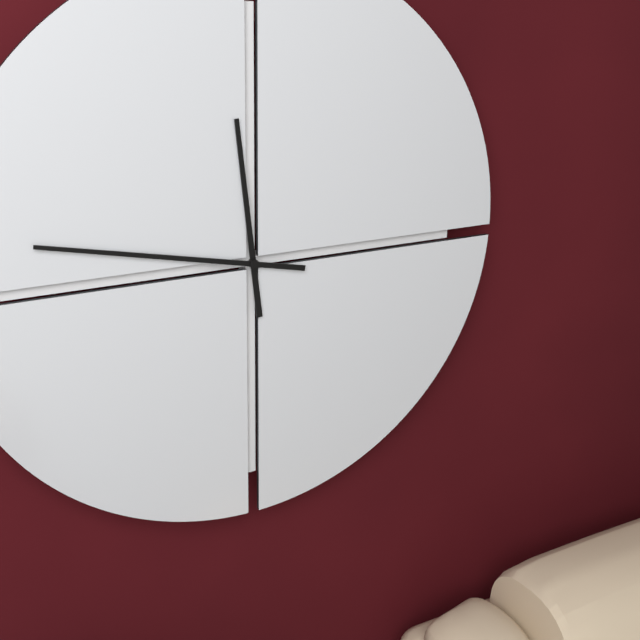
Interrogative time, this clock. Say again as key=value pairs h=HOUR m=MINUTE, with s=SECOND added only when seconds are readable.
h=11 m=47
